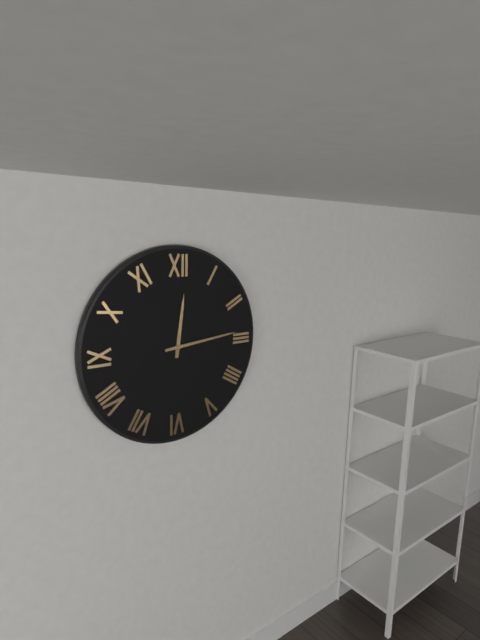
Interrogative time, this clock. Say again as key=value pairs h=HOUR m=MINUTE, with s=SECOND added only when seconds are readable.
h=12 m=14
